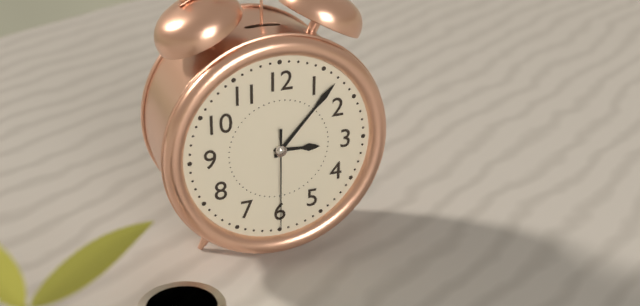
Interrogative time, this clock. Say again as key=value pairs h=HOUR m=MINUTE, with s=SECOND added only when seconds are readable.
h=3 m=7 s=30
